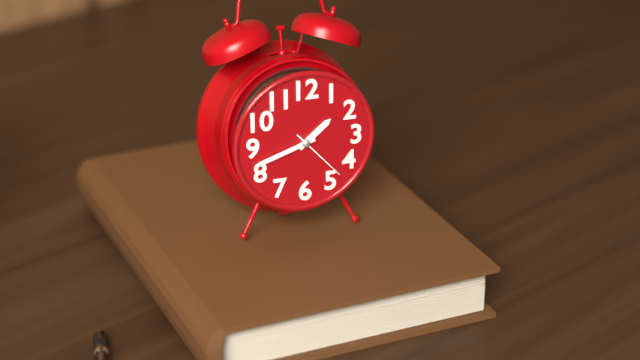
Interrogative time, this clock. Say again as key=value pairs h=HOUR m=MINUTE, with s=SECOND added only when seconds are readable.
h=1 m=42 s=23
